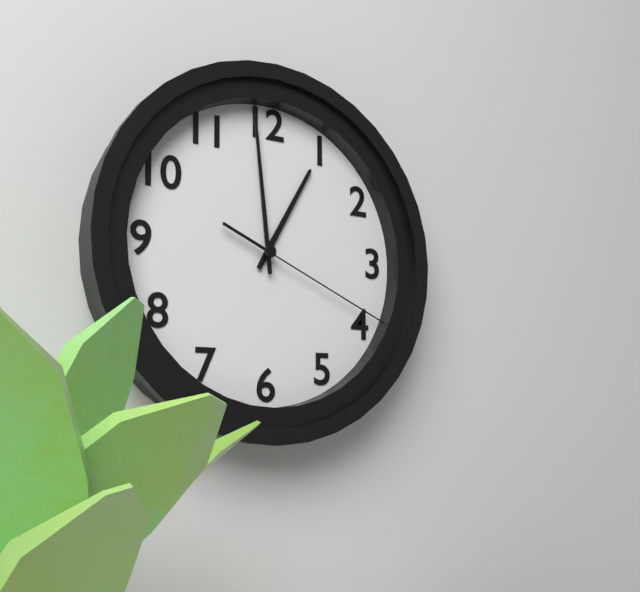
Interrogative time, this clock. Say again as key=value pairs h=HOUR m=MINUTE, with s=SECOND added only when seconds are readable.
h=12 m=59 s=19
